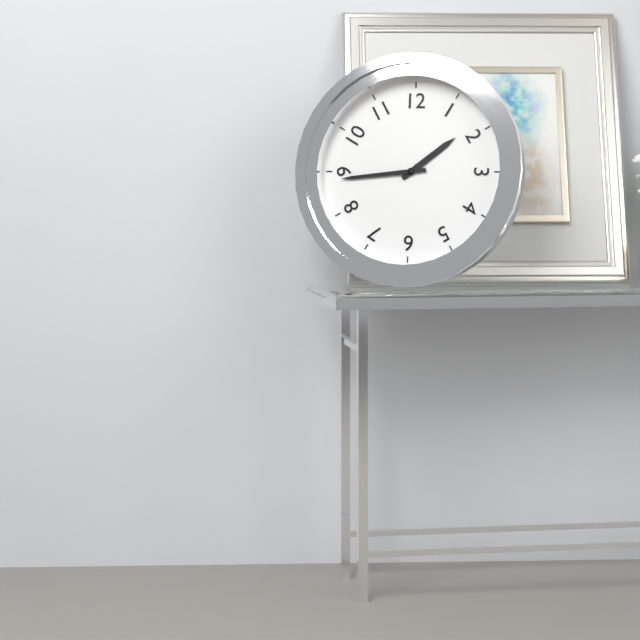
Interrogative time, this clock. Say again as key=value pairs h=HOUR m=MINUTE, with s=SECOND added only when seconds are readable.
h=1 m=44
